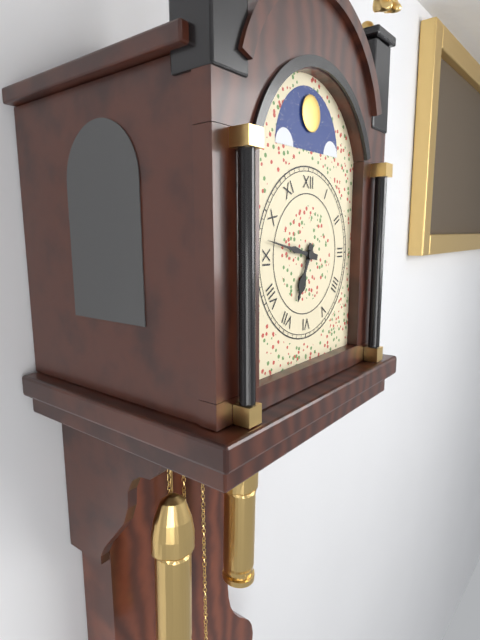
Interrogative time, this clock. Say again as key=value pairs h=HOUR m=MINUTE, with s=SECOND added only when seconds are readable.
h=6 m=47
